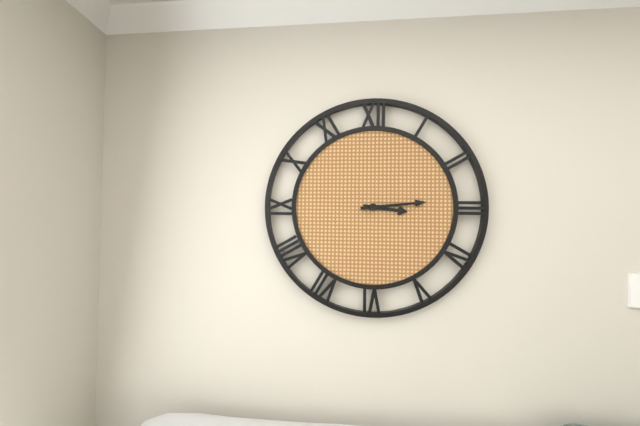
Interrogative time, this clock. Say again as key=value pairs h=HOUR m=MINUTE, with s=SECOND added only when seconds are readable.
h=3 m=14
